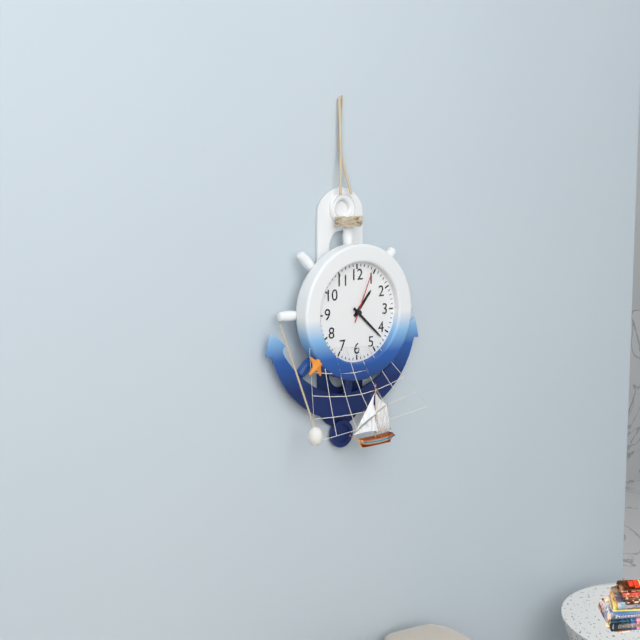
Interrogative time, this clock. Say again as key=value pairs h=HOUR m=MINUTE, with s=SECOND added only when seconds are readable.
h=1 m=22 s=4
